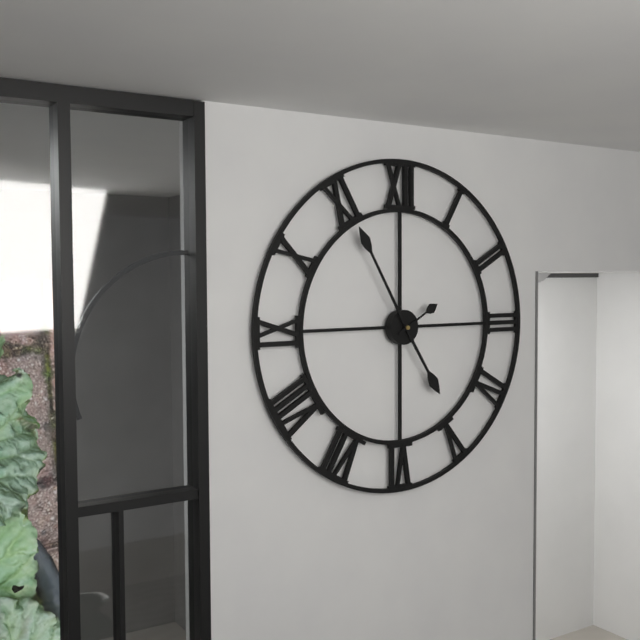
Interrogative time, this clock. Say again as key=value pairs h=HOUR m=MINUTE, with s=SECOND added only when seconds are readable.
h=4 m=55 s=10
